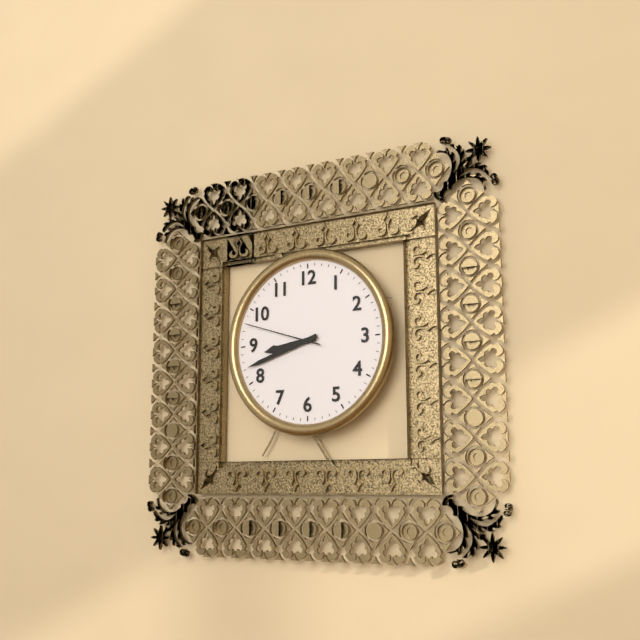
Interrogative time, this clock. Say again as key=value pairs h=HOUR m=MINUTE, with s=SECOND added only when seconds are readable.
h=8 m=42 s=48
